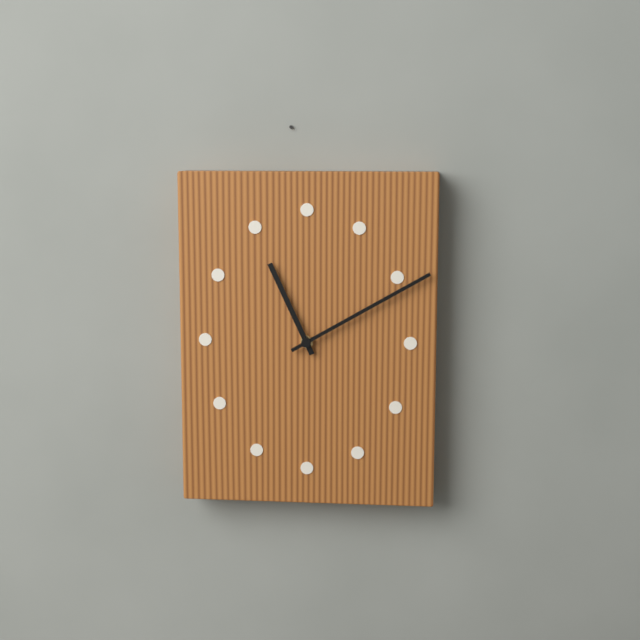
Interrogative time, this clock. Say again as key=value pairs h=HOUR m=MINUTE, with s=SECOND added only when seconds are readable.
h=11 m=10
